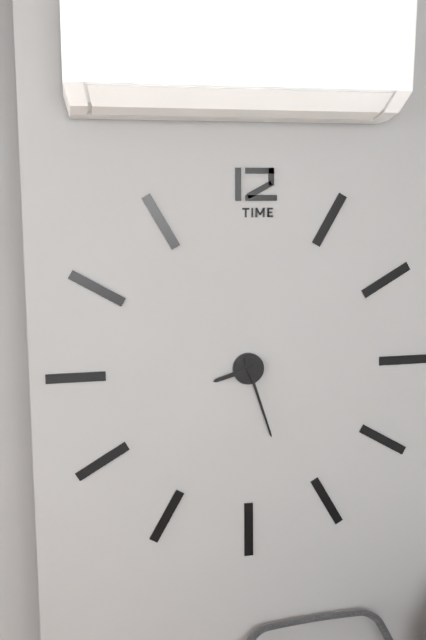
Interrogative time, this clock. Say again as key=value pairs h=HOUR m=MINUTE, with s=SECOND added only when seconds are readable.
h=8 m=27
